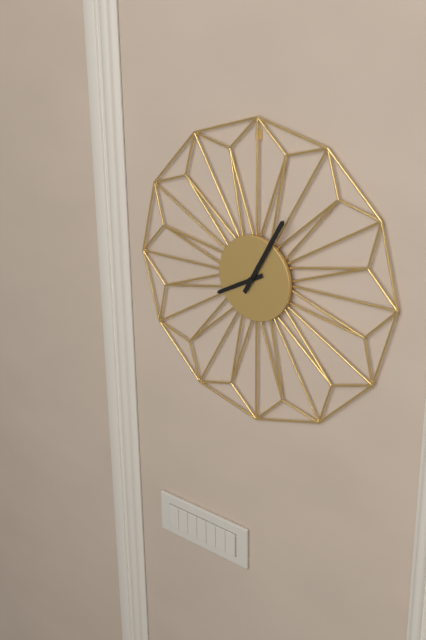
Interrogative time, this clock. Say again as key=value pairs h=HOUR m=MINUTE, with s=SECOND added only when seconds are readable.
h=8 m=5
